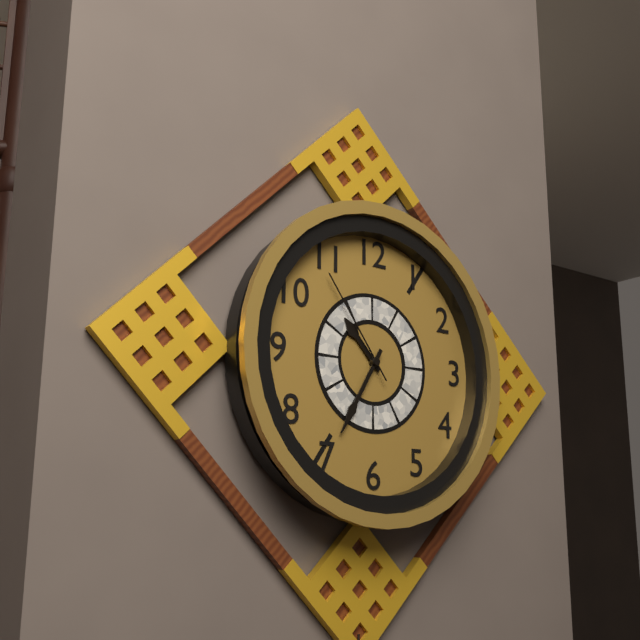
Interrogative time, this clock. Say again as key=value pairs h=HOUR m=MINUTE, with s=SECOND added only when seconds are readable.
h=10 m=35 s=54
